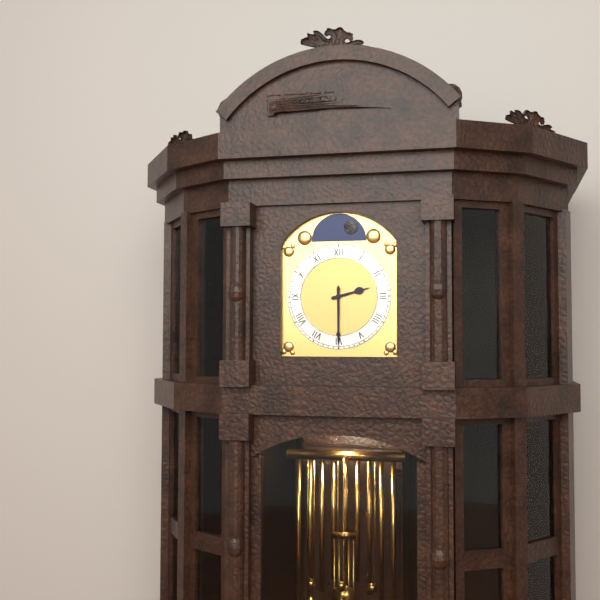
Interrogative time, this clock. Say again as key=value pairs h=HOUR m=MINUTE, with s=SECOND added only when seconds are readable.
h=2 m=30
